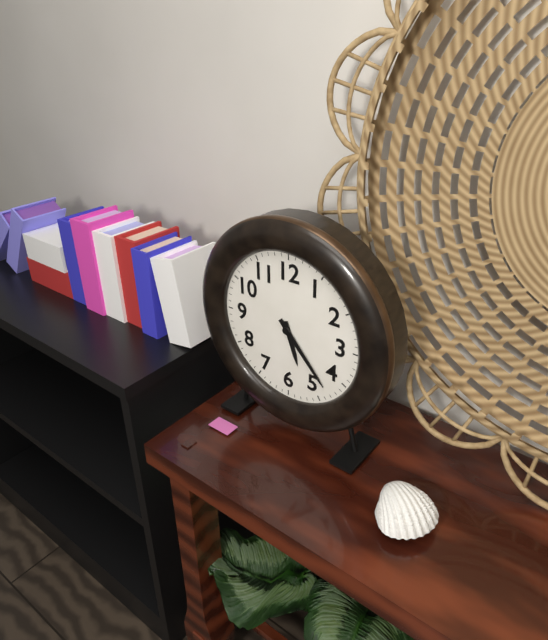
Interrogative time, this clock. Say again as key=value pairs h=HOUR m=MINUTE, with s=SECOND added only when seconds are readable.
h=5 m=23
